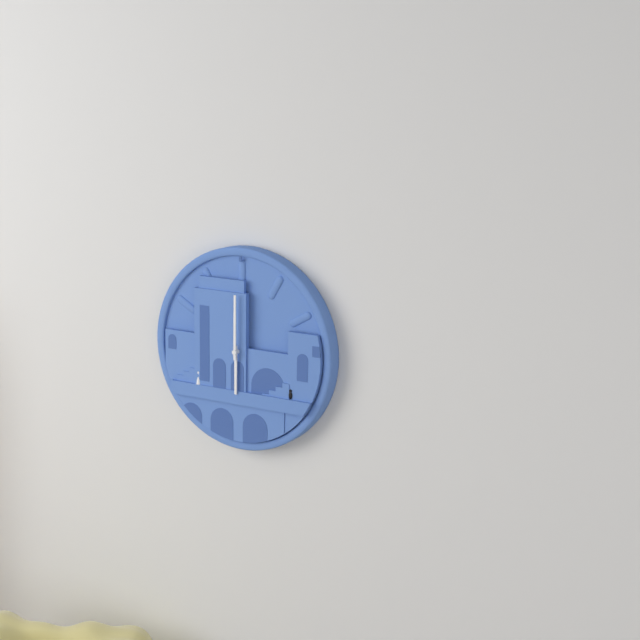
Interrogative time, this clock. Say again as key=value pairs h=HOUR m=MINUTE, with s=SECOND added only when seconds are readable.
h=6 m=0
